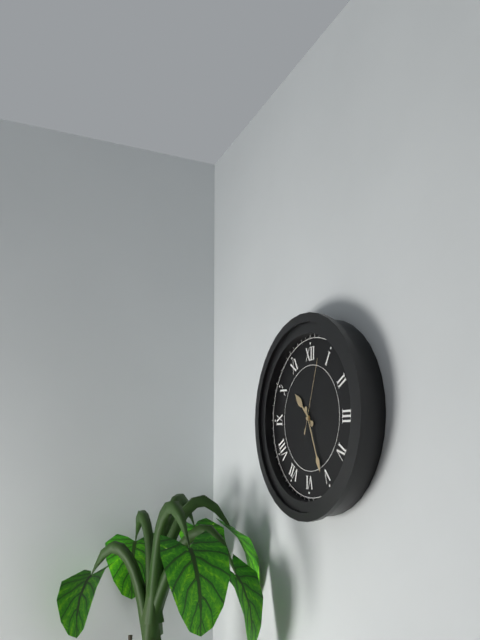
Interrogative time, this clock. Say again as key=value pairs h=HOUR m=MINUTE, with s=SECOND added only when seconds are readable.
h=10 m=26 s=3
